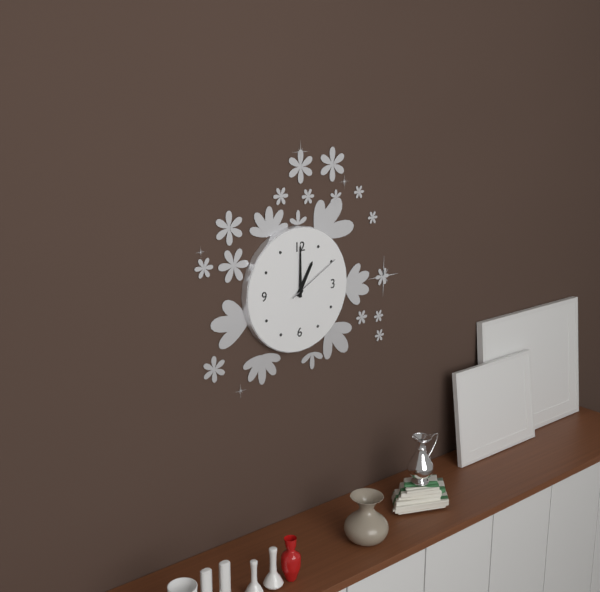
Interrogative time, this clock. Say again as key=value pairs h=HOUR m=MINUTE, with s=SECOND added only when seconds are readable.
h=1 m=0 s=10
